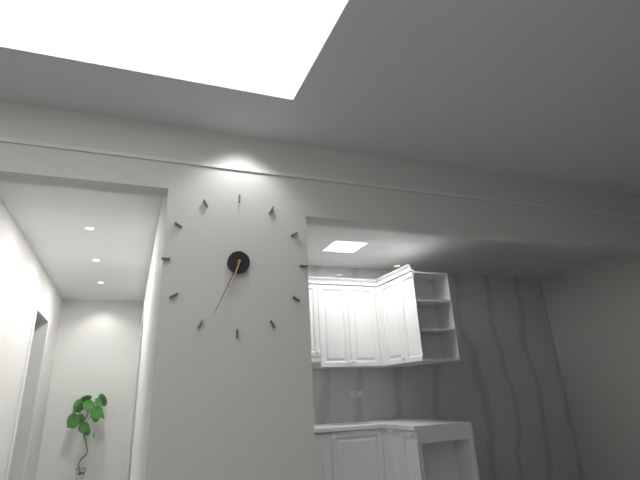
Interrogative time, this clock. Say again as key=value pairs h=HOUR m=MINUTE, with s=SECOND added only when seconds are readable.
h=6 m=34
